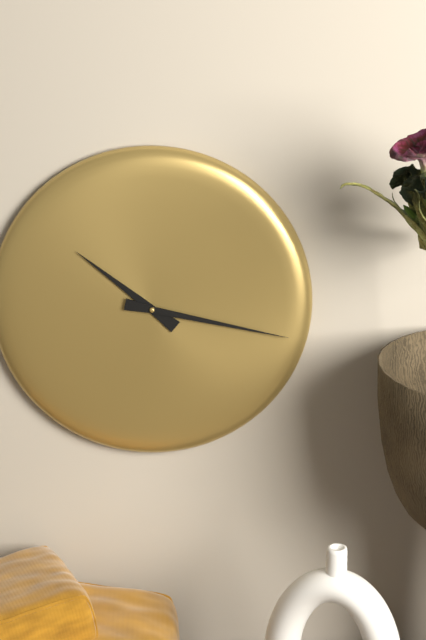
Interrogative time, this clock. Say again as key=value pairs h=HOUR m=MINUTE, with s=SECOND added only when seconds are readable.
h=10 m=17
